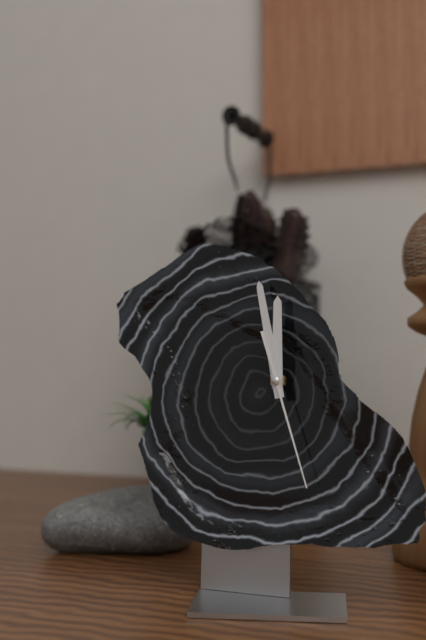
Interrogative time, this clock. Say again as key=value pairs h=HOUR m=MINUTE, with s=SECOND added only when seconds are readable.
h=11 m=58 s=27
